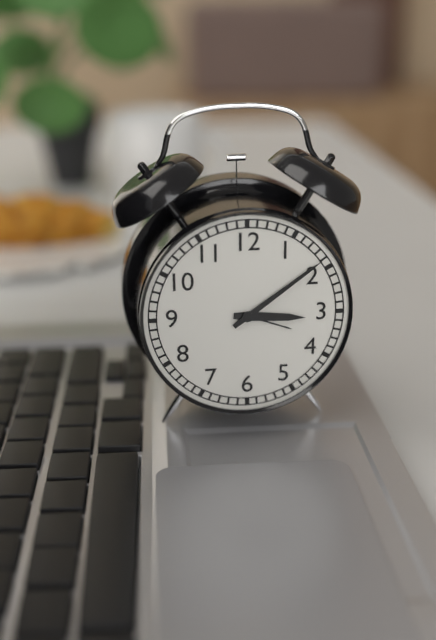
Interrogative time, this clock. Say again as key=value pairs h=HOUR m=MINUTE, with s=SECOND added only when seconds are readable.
h=3 m=9
